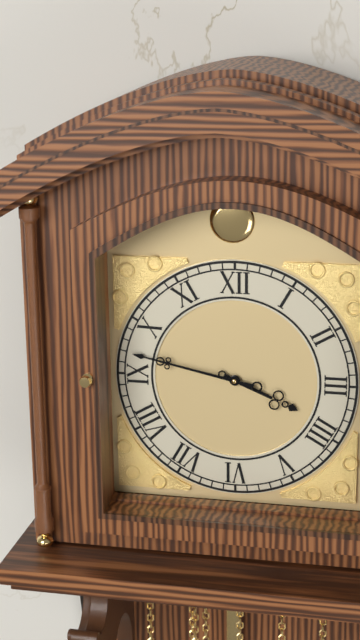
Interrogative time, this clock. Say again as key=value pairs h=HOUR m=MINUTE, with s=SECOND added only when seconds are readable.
h=3 m=47
